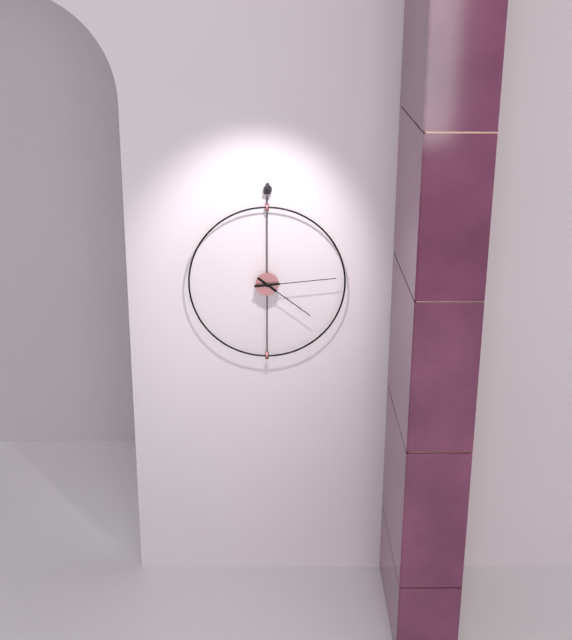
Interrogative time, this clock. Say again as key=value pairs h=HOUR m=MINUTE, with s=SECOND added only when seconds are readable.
h=4 m=14
